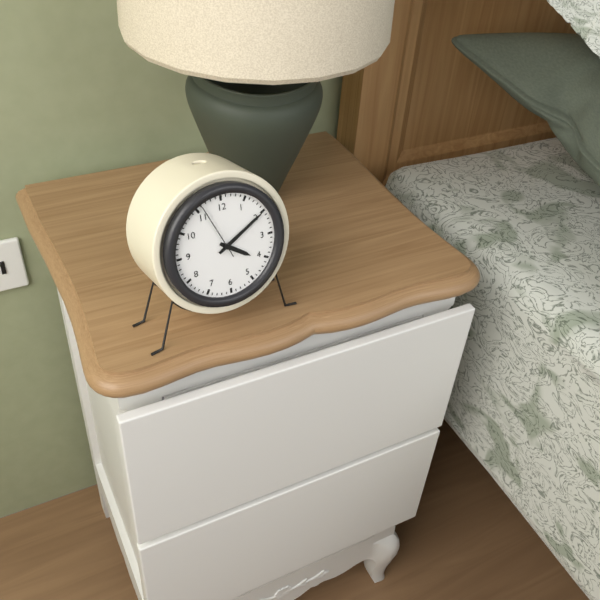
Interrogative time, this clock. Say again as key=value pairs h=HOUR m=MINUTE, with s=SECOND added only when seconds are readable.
h=4 m=10 s=56
